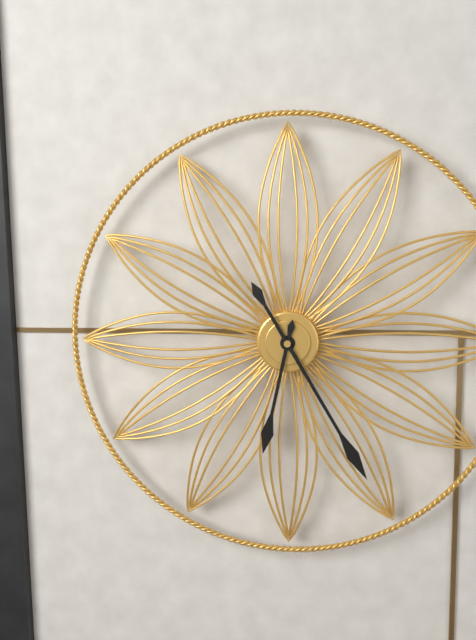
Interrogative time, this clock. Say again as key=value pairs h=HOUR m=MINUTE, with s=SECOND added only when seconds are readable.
h=6 m=25
